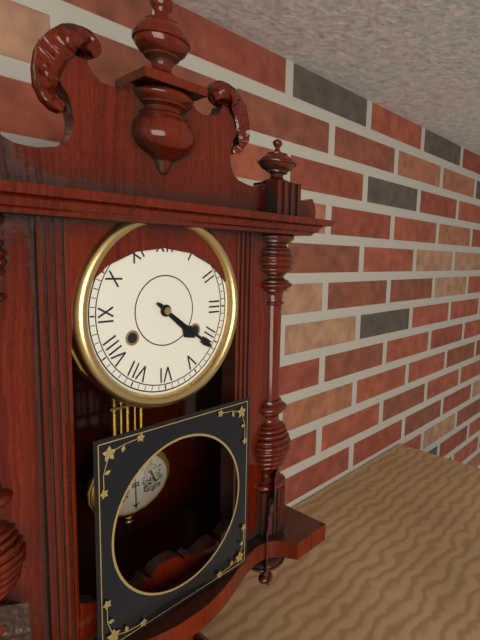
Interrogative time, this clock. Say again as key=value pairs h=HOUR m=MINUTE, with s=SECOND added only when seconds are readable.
h=4 m=21
